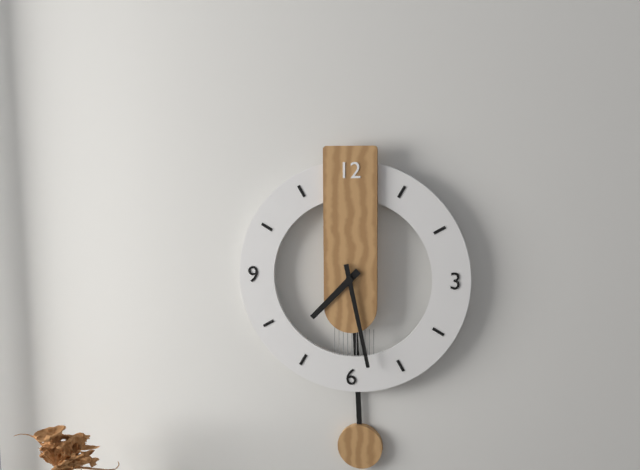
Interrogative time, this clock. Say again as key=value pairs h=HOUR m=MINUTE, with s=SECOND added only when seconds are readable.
h=7 m=28
